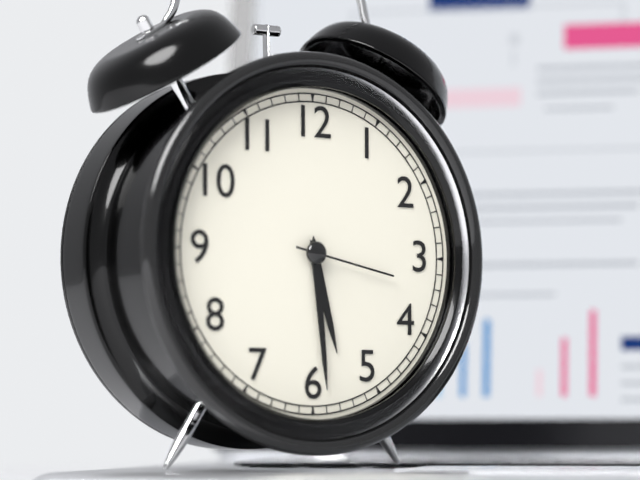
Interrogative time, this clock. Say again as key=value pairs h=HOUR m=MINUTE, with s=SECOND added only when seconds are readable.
h=5 m=29 s=17
